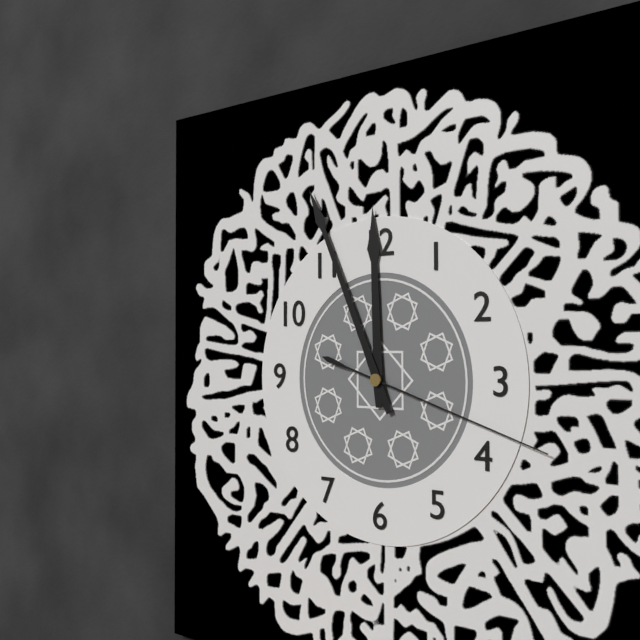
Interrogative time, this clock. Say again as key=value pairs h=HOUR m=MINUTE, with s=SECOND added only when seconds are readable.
h=11 m=56 s=18
